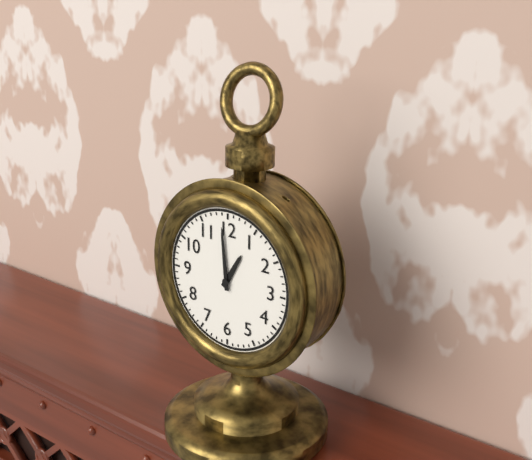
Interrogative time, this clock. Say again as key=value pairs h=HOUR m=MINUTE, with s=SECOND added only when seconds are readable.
h=12 m=59
